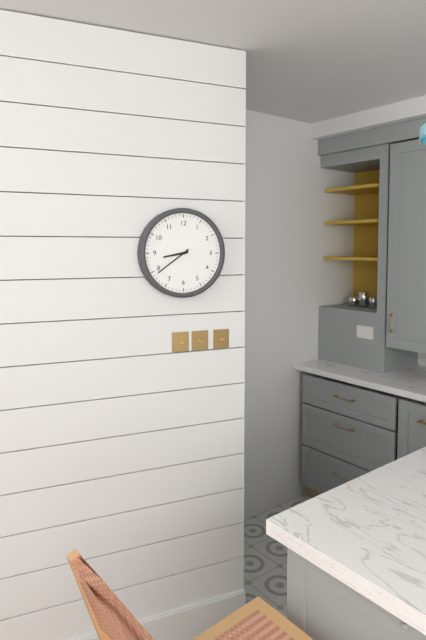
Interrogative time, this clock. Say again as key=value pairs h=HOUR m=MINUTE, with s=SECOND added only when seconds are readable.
h=8 m=39
